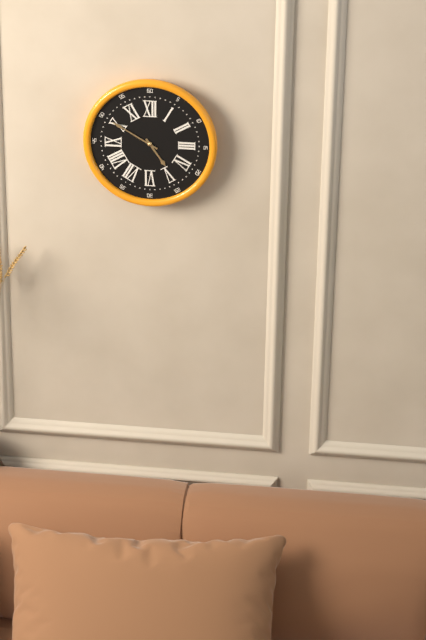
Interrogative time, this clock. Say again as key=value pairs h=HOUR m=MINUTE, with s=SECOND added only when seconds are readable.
h=4 m=50
